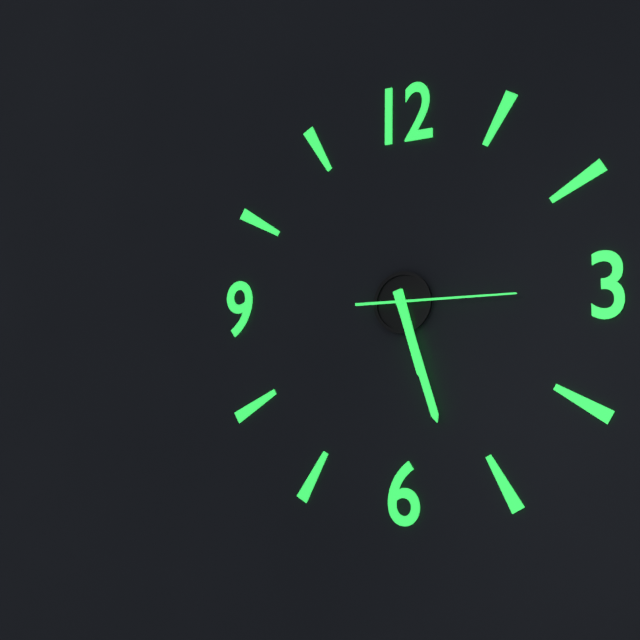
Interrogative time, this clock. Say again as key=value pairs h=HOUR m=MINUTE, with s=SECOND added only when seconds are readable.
h=5 m=27 s=15
